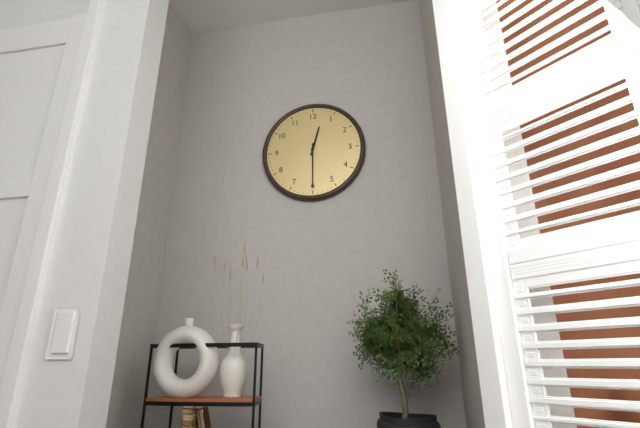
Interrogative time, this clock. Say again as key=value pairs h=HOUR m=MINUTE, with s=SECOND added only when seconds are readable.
h=12 m=30
